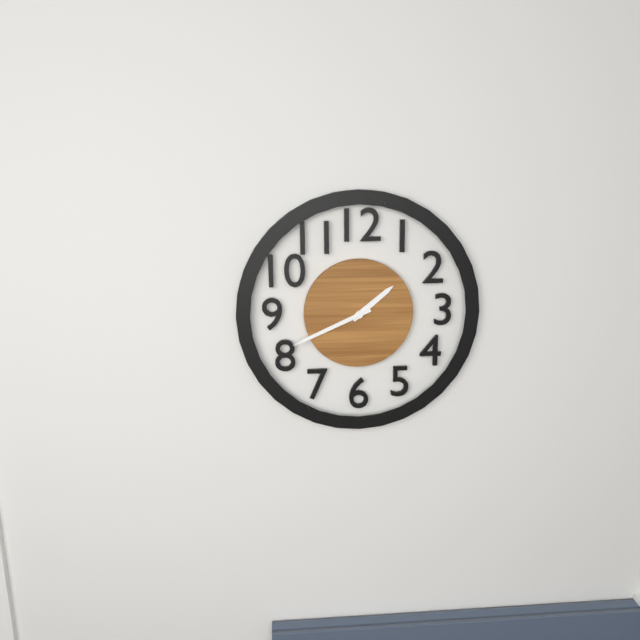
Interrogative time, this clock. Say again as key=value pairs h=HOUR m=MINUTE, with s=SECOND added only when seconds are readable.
h=1 m=41
